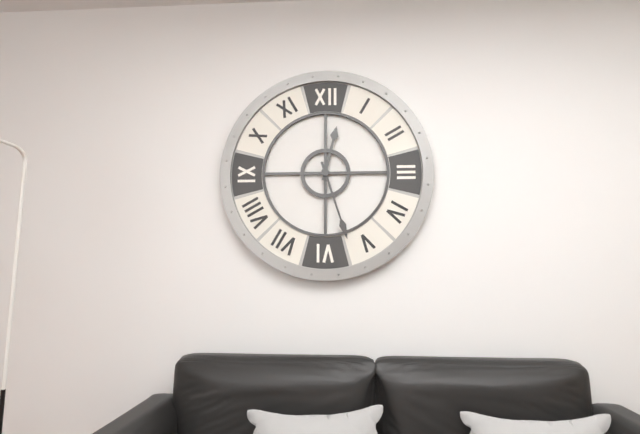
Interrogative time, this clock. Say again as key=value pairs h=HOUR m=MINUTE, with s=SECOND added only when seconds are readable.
h=12 m=27
